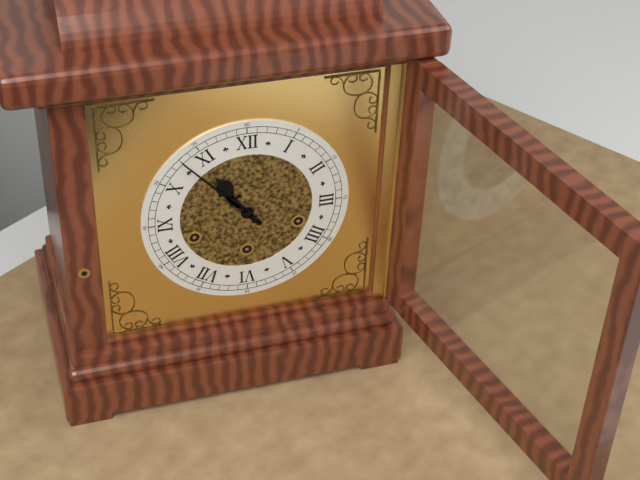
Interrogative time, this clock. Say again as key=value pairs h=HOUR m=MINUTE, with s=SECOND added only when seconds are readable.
h=10 m=53
